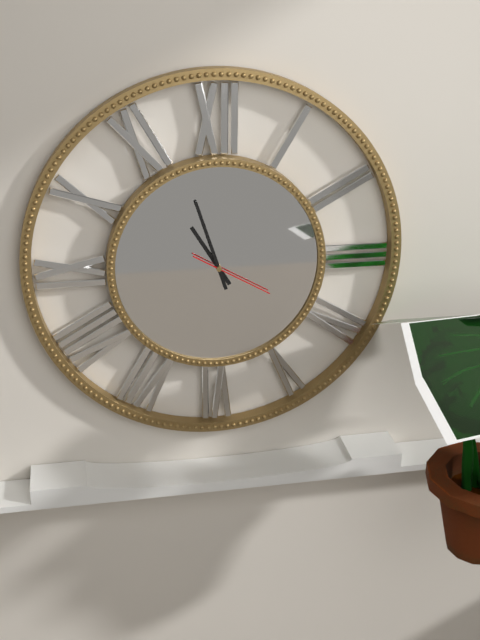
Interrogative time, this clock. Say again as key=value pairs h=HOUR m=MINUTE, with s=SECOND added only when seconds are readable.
h=10 m=57 s=20
